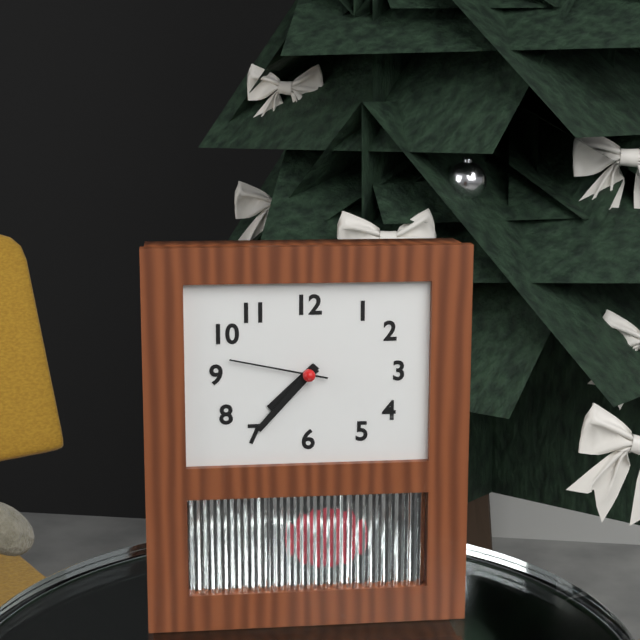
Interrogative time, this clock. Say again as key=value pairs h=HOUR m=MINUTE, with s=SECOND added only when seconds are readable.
h=7 m=37 s=47
